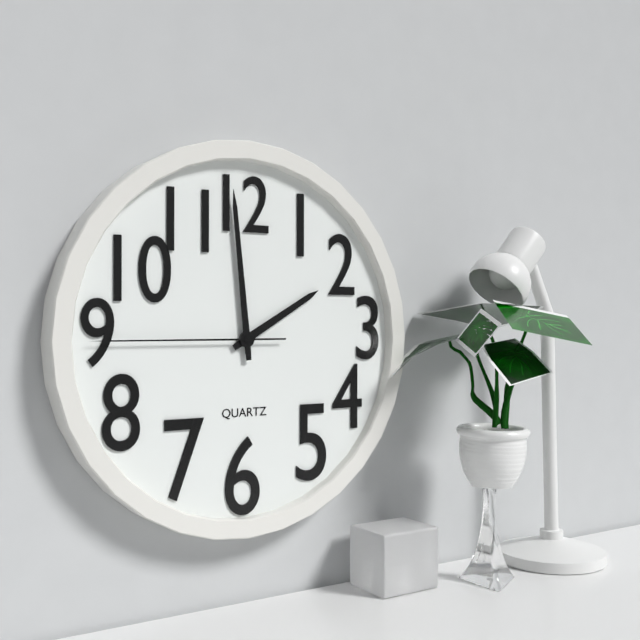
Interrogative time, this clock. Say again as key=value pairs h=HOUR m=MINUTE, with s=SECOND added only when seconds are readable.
h=1 m=59 s=45
